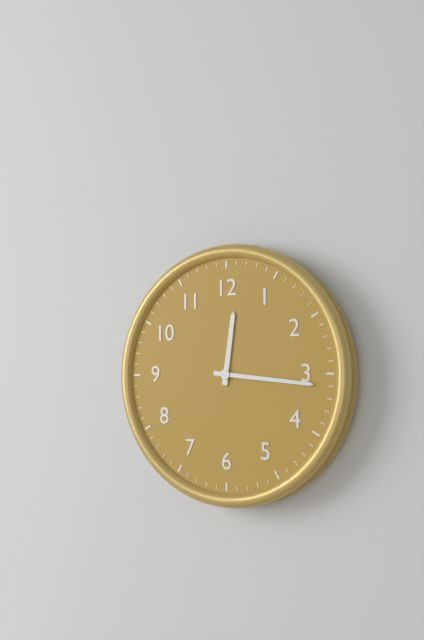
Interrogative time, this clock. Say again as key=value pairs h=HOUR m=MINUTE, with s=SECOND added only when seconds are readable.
h=12 m=16
